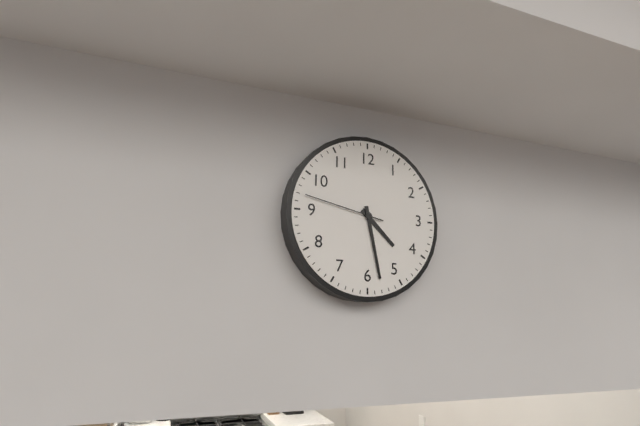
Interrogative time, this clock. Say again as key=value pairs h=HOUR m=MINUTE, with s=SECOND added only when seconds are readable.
h=4 m=28 s=47
